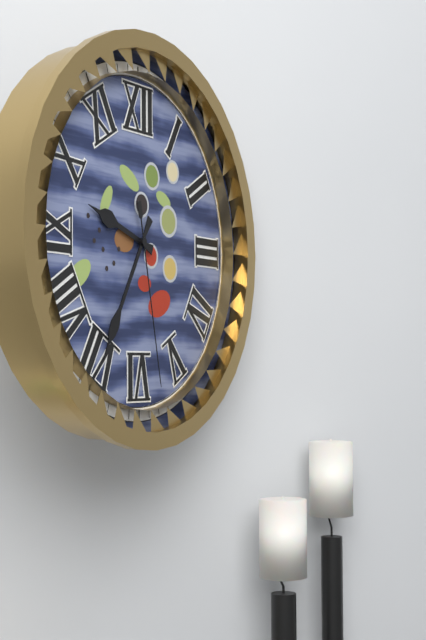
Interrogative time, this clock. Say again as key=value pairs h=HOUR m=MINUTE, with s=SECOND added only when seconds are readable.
h=9 m=35 s=28
